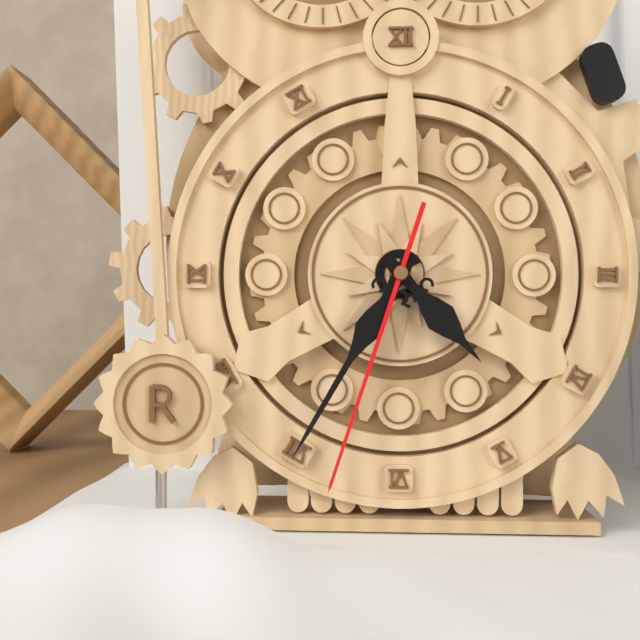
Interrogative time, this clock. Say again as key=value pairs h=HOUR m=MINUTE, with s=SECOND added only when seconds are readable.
h=4 m=35 s=33
